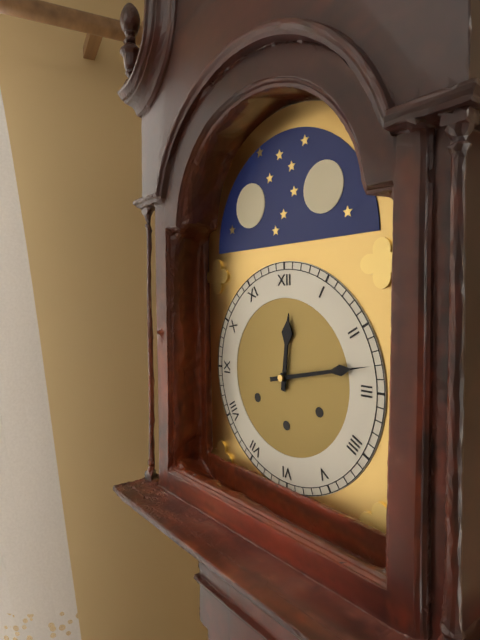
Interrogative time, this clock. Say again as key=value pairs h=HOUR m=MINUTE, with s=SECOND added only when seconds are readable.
h=12 m=13
